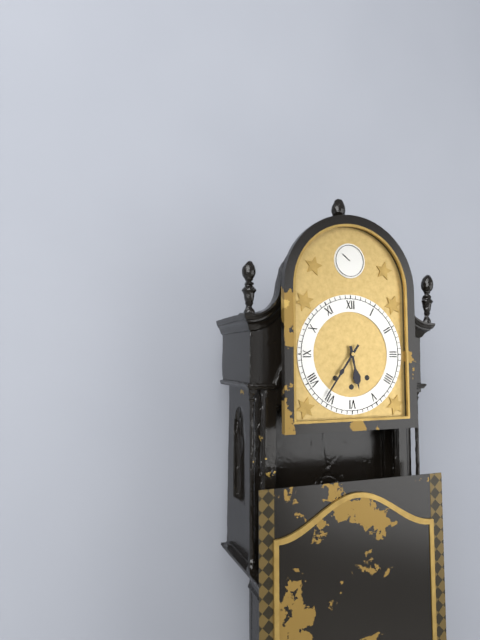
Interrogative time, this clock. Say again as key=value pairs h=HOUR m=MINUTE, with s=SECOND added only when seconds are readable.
h=5 m=36
